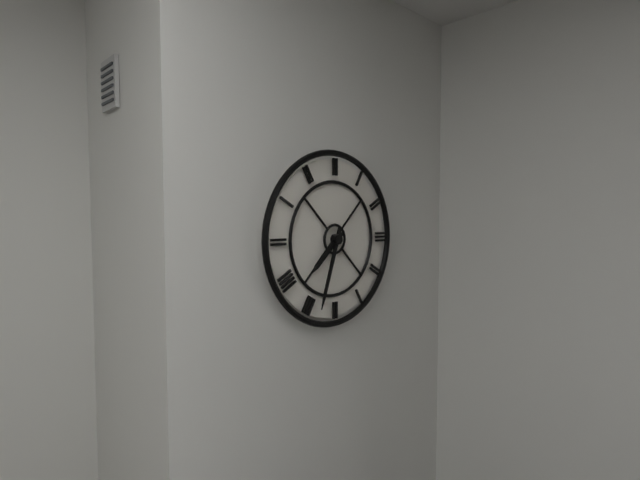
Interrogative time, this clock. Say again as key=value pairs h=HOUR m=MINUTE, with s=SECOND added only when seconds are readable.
h=7 m=33
